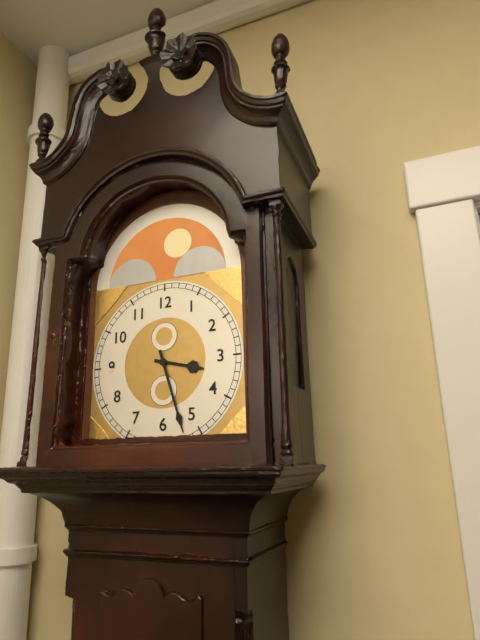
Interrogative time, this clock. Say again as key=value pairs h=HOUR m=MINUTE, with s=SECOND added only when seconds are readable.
h=3 m=27
